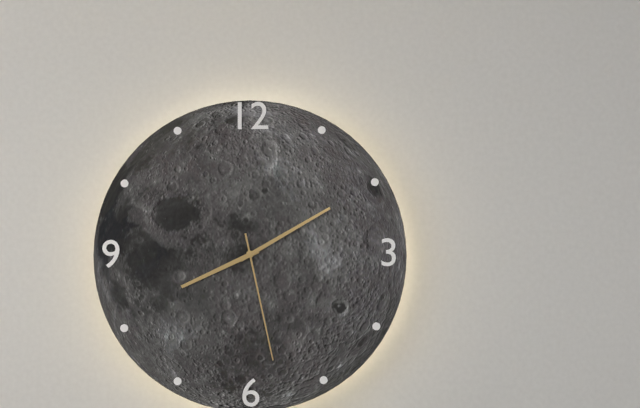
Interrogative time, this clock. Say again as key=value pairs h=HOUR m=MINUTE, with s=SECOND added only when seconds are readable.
h=8 m=10 s=28
